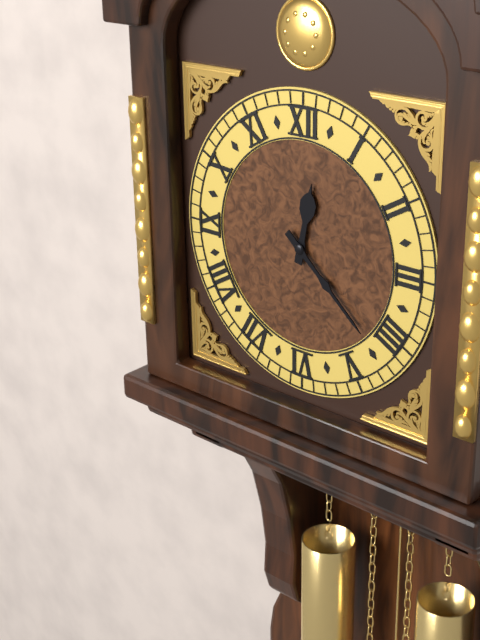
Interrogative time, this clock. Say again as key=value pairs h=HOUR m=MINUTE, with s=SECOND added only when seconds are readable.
h=12 m=22
